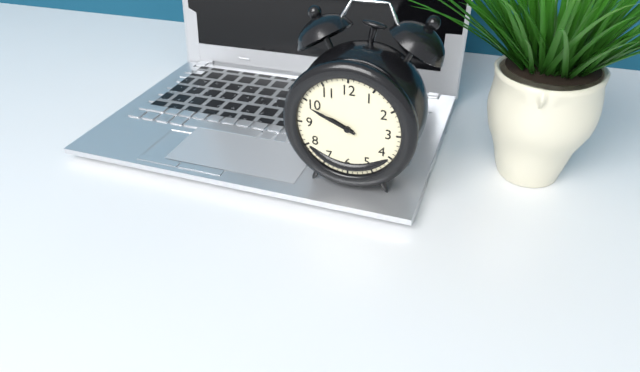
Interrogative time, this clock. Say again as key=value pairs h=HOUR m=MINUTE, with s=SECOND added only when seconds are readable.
h=9 m=49
